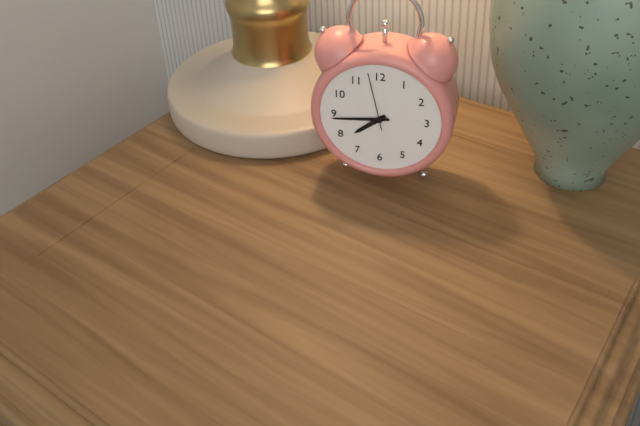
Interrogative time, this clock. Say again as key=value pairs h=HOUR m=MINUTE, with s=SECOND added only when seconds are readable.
h=7 m=44 s=58
